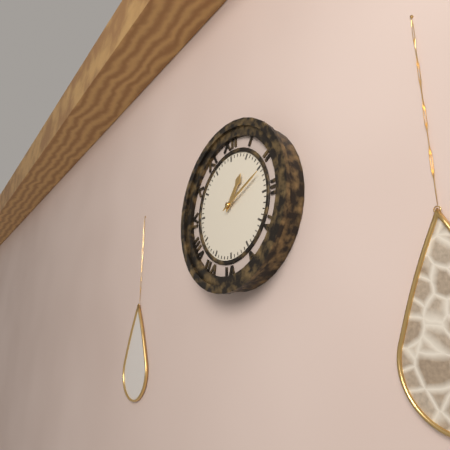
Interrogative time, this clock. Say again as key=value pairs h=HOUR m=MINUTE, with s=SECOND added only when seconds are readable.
h=1 m=11
